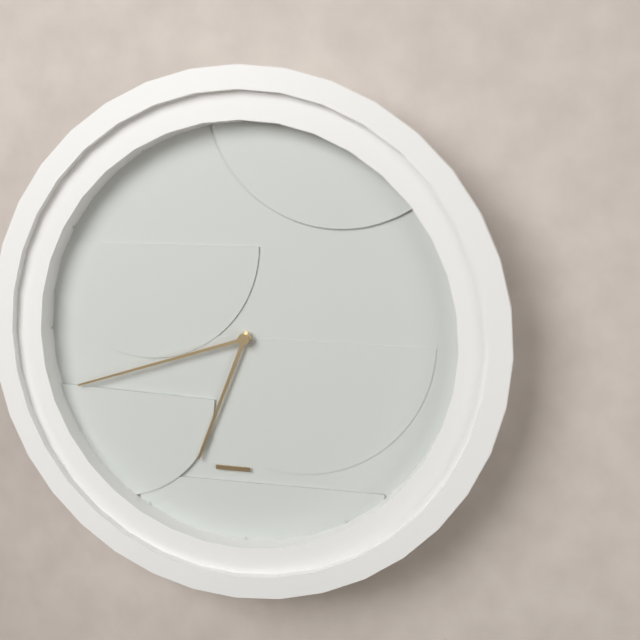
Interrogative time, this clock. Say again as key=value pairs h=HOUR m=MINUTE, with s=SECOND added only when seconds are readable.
h=6 m=42
